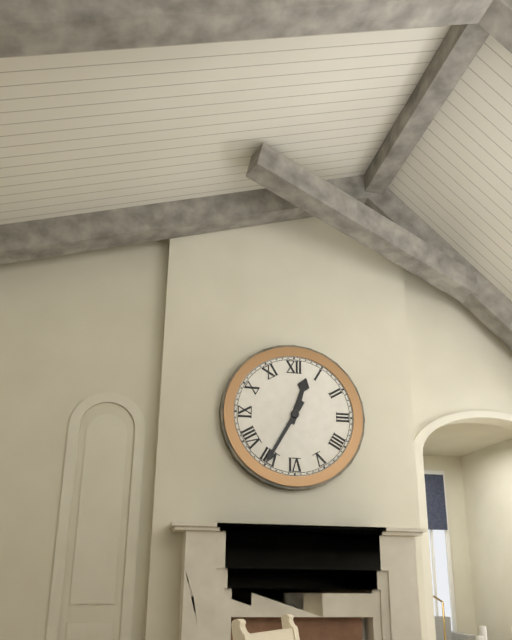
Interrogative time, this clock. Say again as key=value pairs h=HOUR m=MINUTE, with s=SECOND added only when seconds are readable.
h=12 m=35
